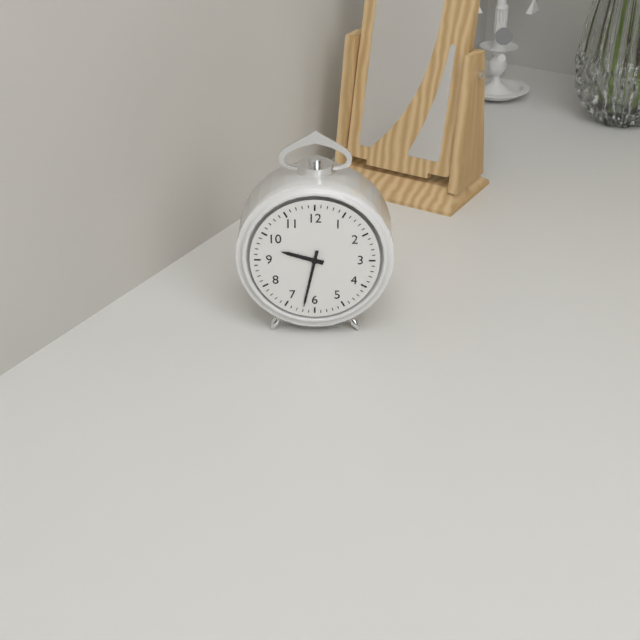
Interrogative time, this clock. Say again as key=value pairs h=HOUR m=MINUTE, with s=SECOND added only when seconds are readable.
h=9 m=32
